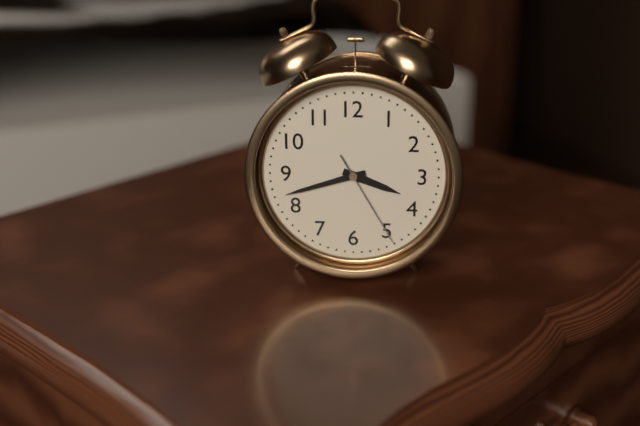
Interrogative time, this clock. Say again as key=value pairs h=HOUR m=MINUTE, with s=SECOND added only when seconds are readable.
h=3 m=42 s=25
